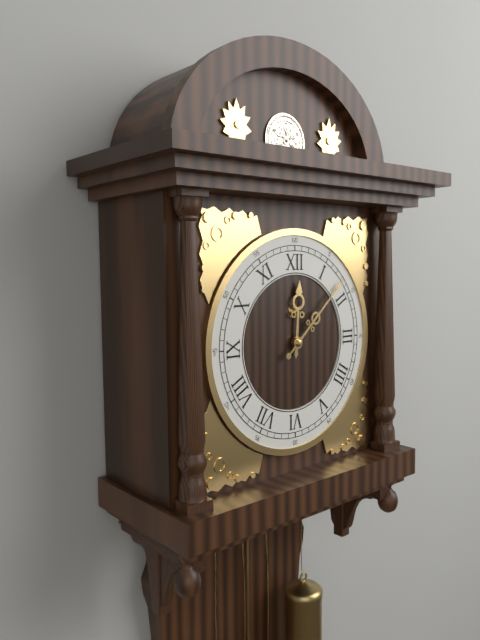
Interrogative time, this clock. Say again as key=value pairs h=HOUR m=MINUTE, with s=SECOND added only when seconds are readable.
h=12 m=8
